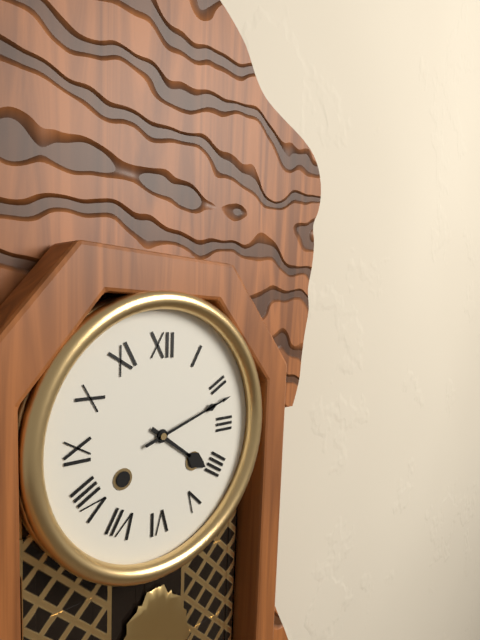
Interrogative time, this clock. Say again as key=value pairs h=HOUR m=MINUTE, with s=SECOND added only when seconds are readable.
h=4 m=12
